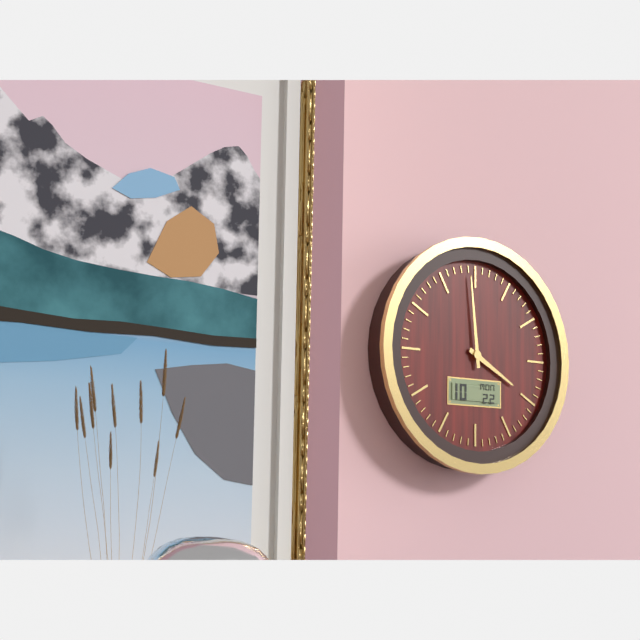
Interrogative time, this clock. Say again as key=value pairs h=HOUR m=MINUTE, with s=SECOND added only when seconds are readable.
h=3 m=59
